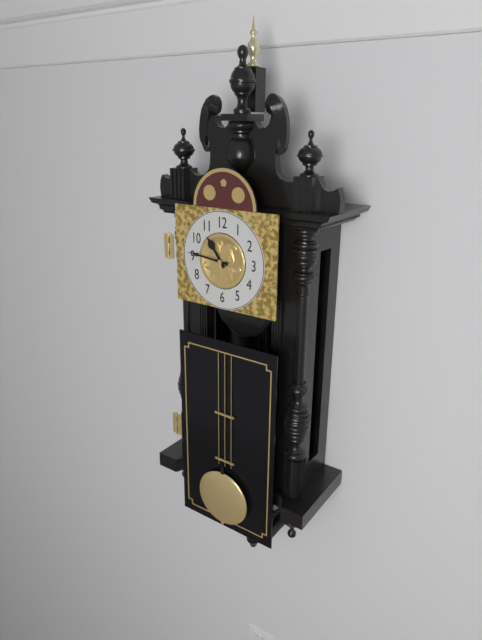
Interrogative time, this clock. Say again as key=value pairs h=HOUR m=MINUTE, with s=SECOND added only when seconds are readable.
h=10 m=46
